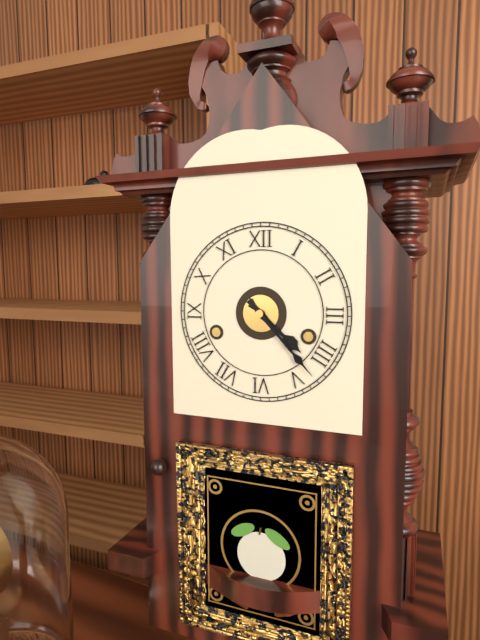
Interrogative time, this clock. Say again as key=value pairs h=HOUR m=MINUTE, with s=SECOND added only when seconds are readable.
h=4 m=23
